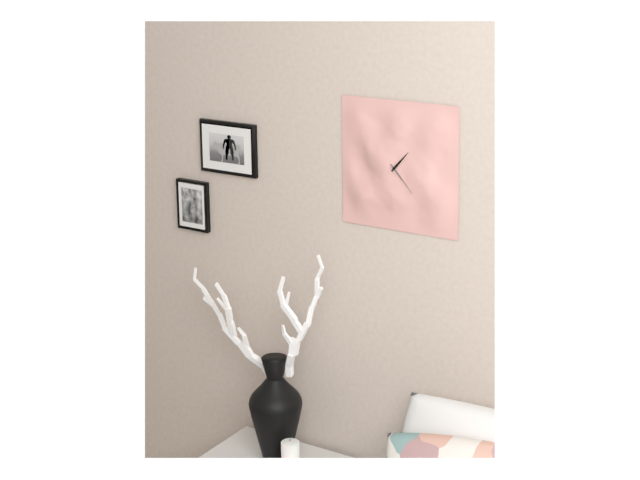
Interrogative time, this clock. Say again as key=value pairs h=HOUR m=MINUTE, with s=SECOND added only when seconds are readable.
h=1 m=23
